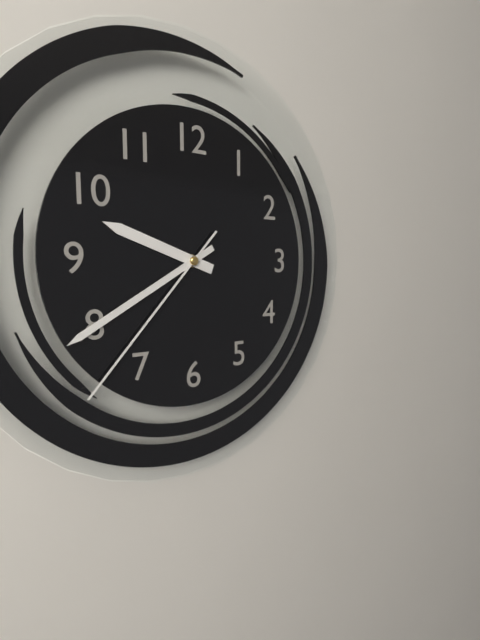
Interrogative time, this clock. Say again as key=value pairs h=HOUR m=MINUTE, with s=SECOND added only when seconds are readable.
h=9 m=40 s=37
